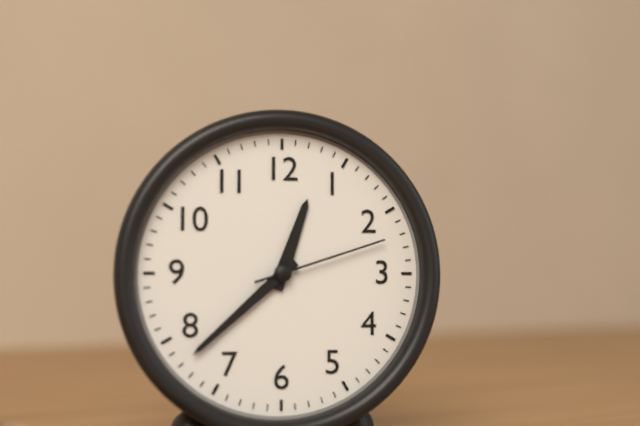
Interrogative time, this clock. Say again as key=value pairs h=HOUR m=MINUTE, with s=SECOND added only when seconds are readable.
h=12 m=38 s=12
